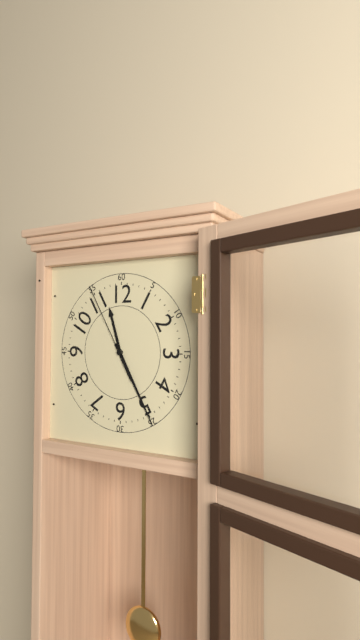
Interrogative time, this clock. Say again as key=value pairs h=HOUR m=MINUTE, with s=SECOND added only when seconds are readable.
h=11 m=25 s=55
